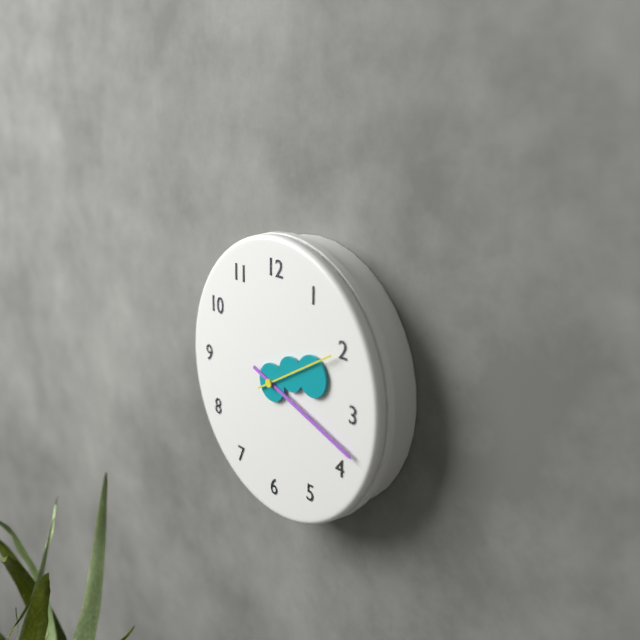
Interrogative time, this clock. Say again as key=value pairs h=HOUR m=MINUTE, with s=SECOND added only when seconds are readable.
h=2 m=18 s=10
